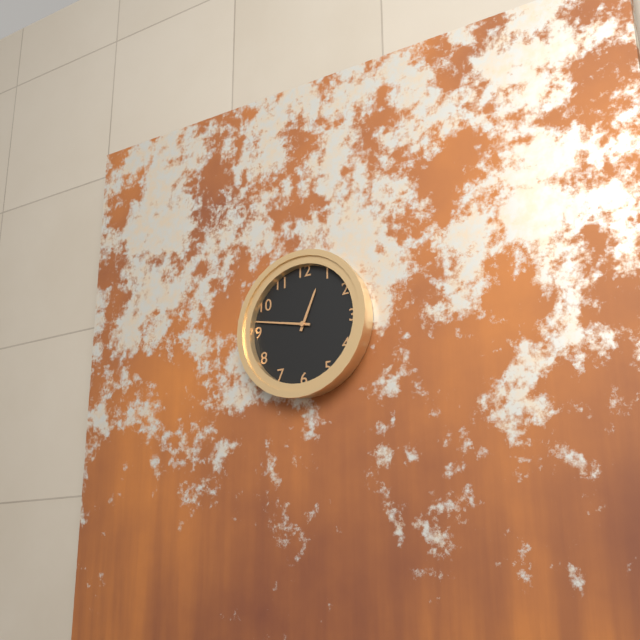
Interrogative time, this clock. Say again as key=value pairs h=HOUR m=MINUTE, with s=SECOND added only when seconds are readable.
h=12 m=47
